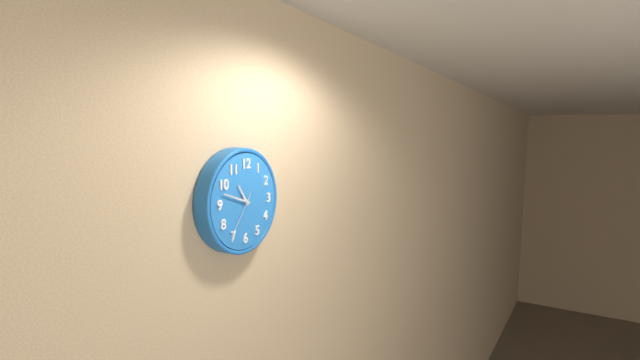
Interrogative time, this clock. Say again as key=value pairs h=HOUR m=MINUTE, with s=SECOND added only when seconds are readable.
h=10 m=48
